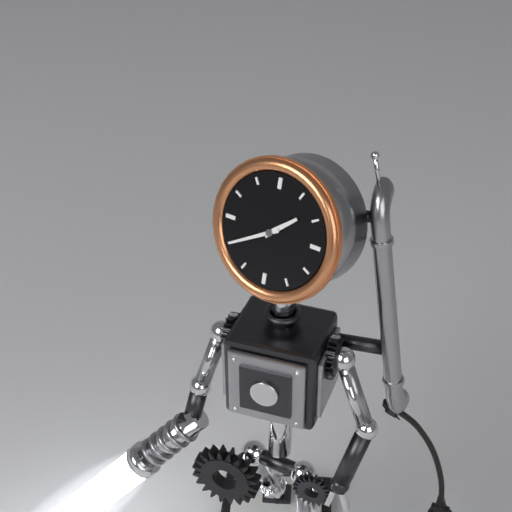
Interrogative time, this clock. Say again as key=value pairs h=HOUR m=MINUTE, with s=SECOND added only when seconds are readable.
h=1 m=40
